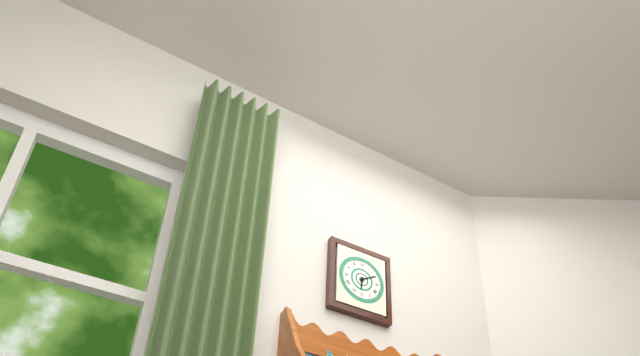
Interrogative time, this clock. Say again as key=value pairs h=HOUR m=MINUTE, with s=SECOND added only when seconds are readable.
h=6 m=10
